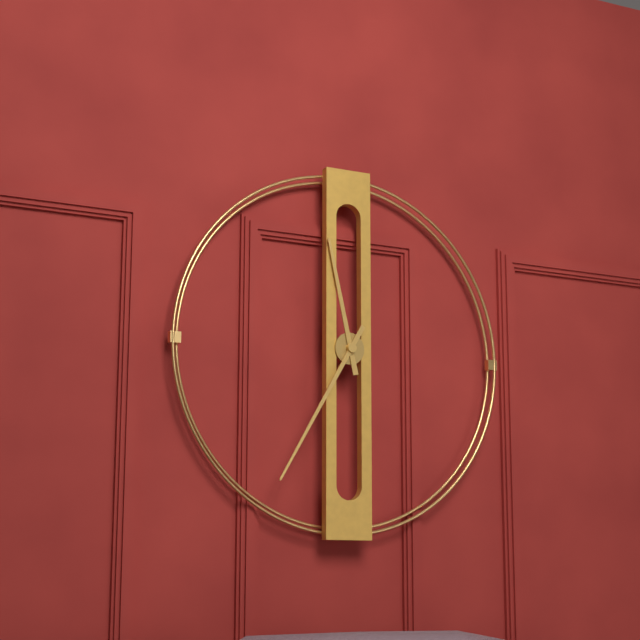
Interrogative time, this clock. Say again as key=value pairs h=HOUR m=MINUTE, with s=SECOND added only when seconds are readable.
h=11 m=35
